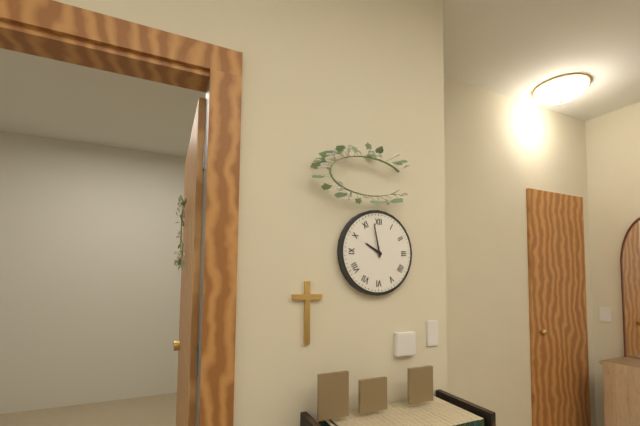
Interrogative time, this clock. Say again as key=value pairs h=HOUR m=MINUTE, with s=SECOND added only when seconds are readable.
h=9 m=58
